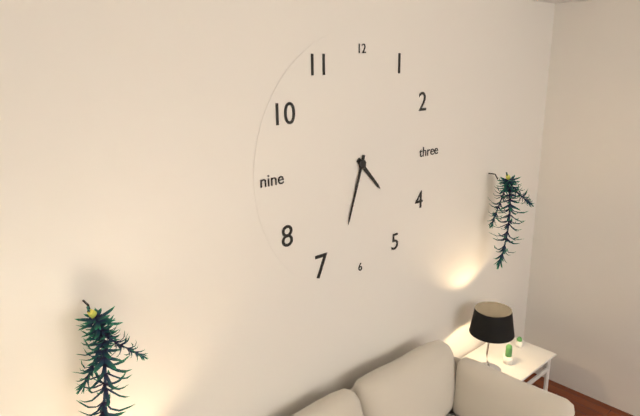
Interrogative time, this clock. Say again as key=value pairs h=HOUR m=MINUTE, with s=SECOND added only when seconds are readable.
h=4 m=33
